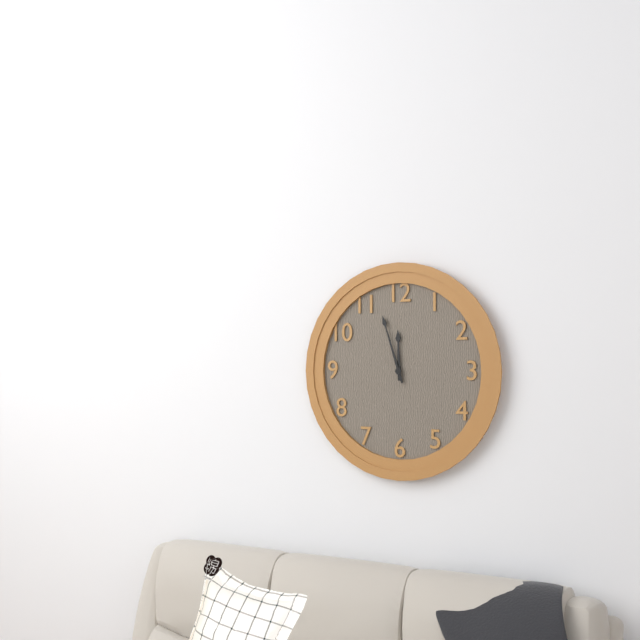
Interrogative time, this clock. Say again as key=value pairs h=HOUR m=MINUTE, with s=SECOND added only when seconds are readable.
h=11 m=57
